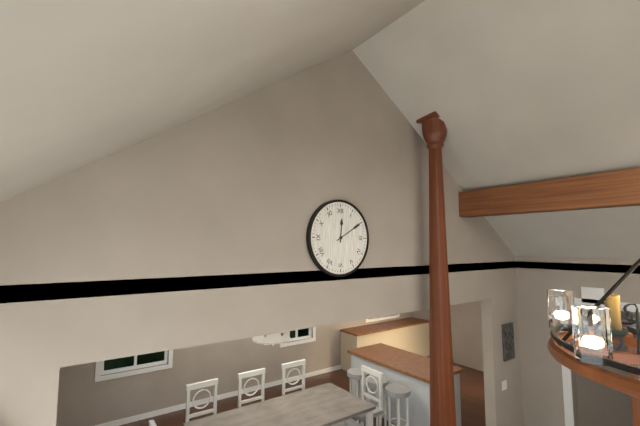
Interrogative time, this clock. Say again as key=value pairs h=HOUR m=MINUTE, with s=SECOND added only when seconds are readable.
h=12 m=10
